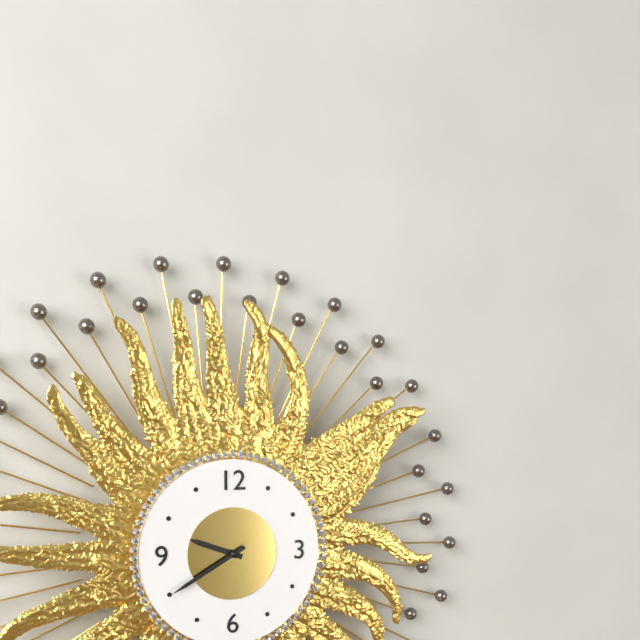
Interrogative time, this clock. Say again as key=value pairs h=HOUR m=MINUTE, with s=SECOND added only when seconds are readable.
h=9 m=40
